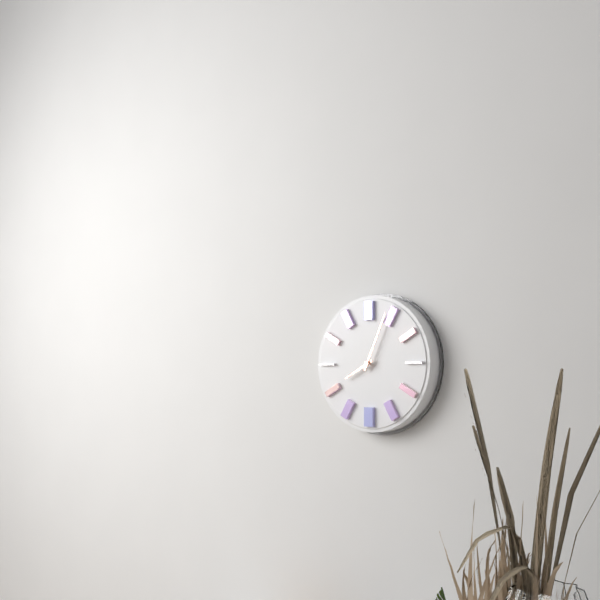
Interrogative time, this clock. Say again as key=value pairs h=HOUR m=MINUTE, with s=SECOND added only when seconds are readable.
h=8 m=4
